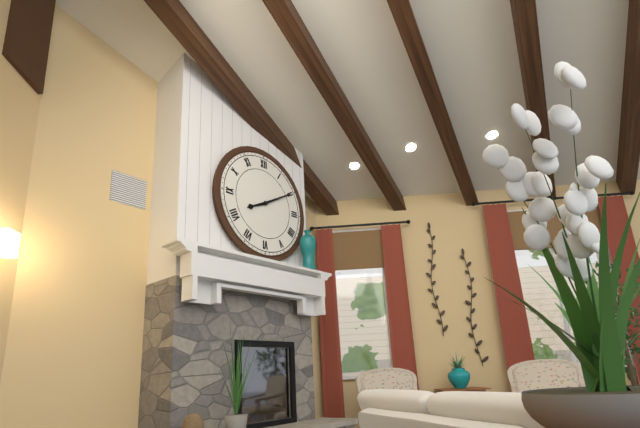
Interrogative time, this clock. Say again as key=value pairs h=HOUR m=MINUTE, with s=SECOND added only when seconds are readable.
h=8 m=10
